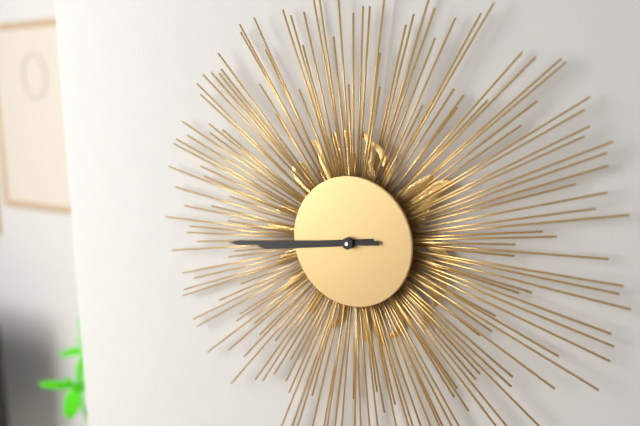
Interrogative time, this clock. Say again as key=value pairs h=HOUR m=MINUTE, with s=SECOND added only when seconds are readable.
h=8 m=44
